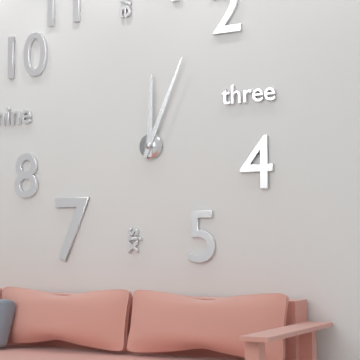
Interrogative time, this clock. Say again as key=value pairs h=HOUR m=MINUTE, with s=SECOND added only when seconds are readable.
h=12 m=4
